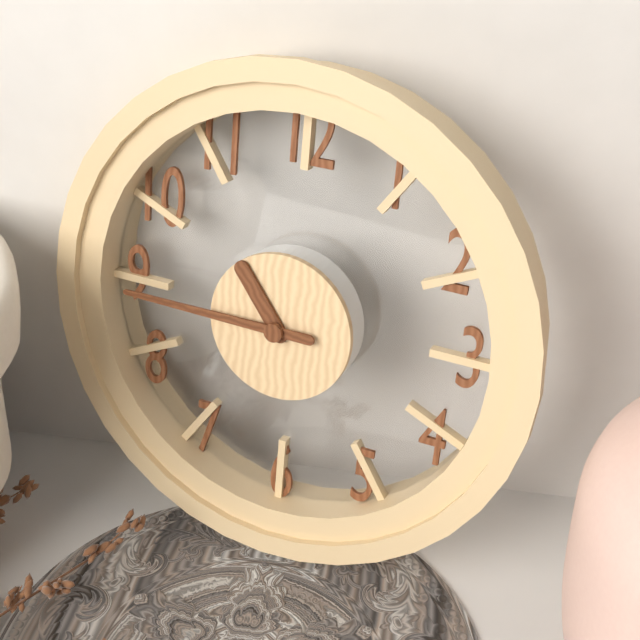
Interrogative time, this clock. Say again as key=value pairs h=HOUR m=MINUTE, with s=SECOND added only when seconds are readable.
h=10 m=45
